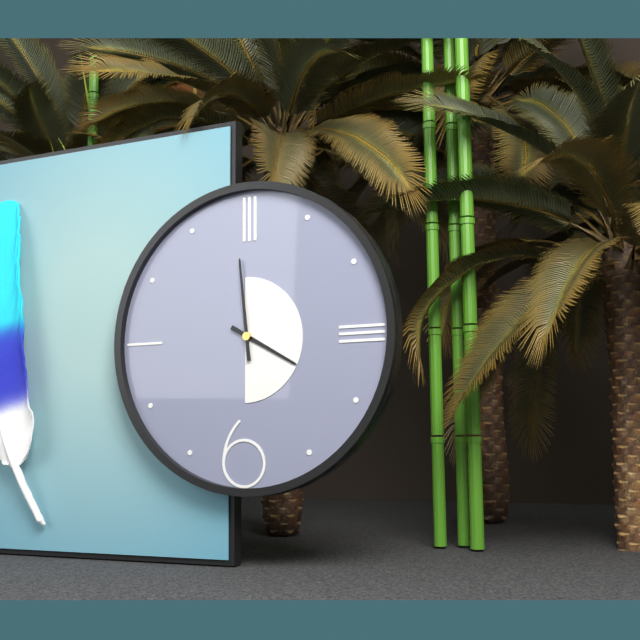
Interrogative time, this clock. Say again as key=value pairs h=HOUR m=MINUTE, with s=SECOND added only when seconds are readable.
h=3 m=59
